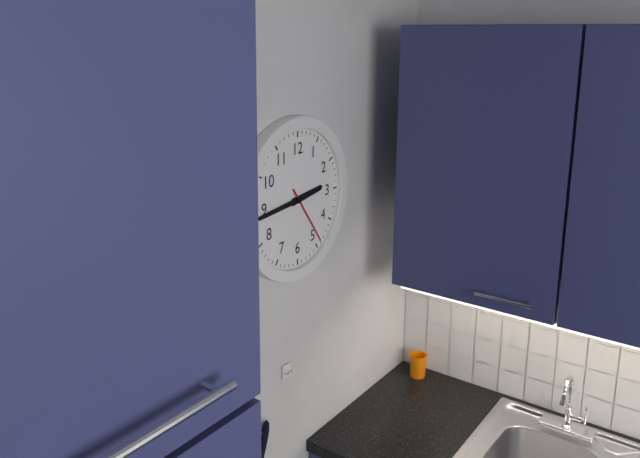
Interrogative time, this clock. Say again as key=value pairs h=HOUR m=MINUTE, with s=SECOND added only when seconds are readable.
h=2 m=44 s=24
